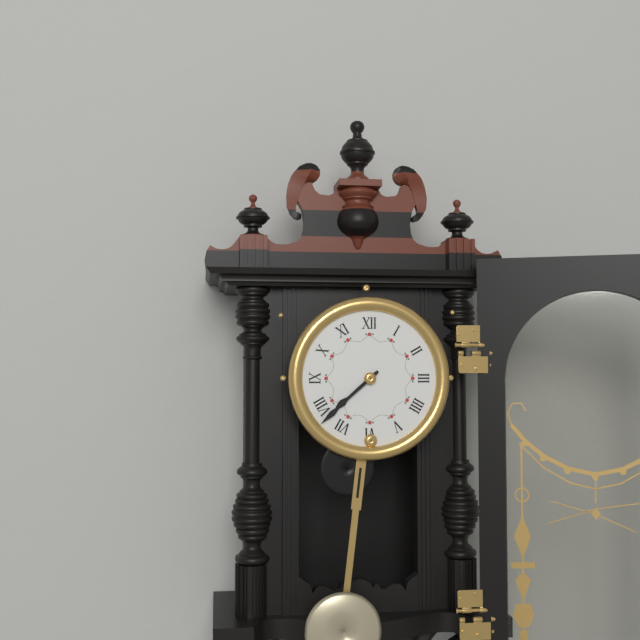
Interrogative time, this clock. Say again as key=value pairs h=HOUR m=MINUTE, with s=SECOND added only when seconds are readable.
h=7 m=38
